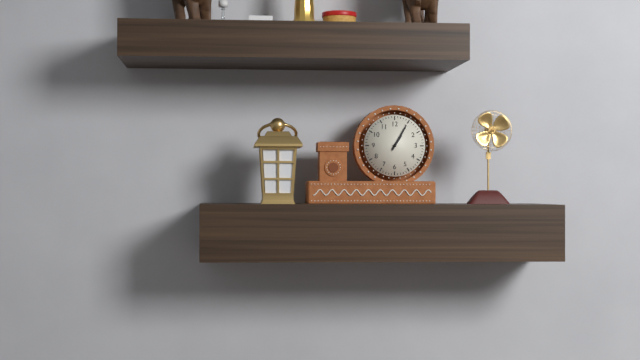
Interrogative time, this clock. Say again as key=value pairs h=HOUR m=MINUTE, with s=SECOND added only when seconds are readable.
h=1 m=5
